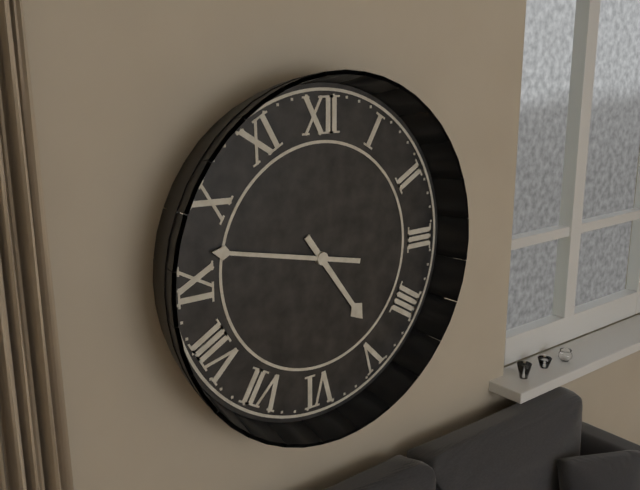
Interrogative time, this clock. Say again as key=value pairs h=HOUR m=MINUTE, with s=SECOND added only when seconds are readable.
h=4 m=47
